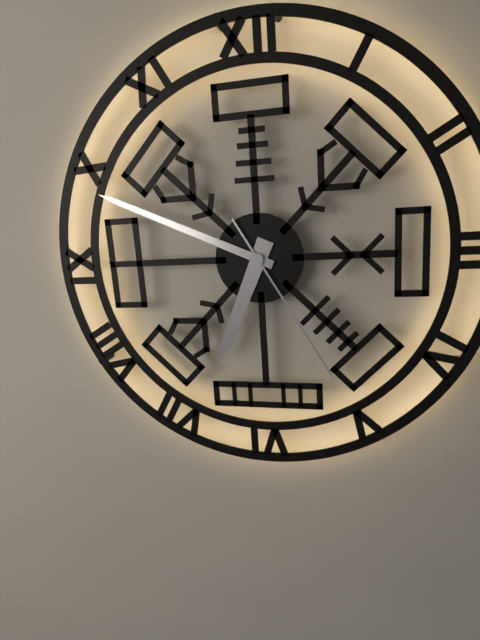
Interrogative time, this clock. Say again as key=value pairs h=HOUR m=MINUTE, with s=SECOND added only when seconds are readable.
h=6 m=49 s=25
